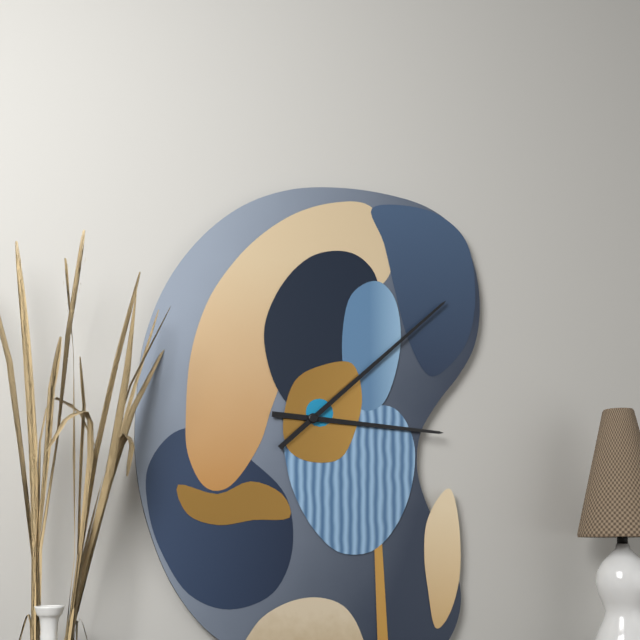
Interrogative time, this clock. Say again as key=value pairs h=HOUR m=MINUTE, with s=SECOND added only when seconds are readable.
h=3 m=8
